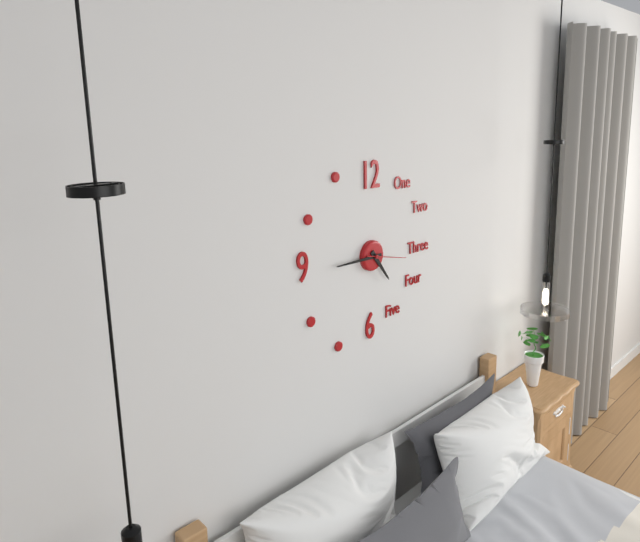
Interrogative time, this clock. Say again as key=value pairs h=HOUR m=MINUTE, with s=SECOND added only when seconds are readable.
h=4 m=45
